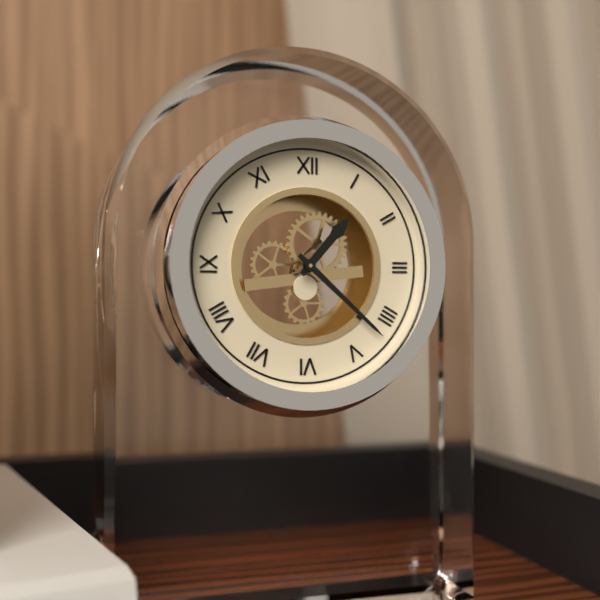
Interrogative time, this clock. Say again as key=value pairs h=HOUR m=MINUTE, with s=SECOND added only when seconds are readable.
h=1 m=22
